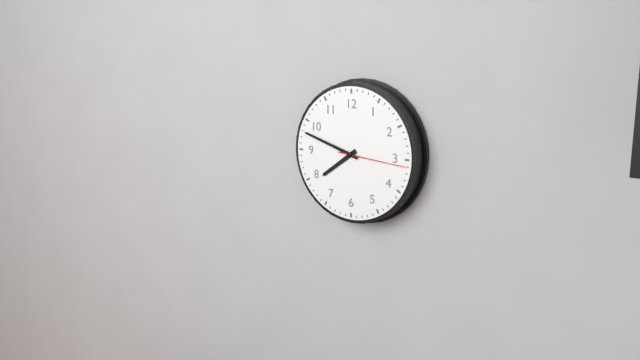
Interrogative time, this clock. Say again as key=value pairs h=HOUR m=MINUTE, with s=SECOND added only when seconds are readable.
h=7 m=48 s=16
